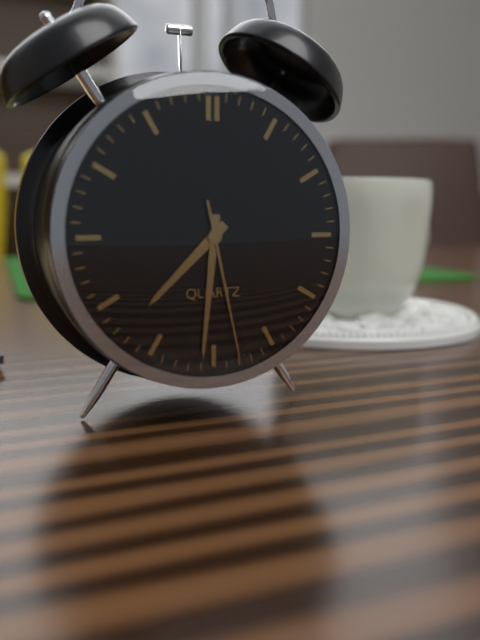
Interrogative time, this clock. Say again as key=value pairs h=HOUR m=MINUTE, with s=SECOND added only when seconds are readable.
h=7 m=31 s=28
